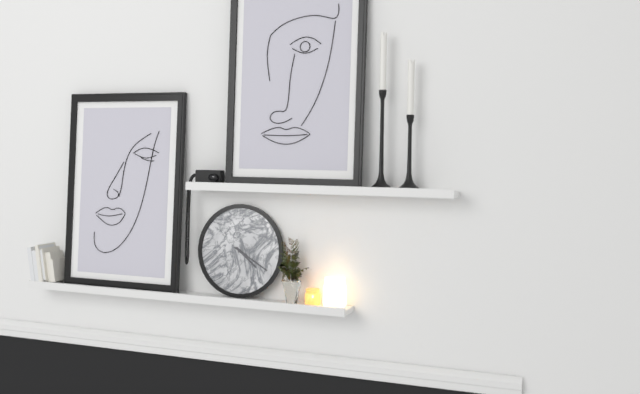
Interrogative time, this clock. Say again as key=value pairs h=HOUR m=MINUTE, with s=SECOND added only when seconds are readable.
h=4 m=20
